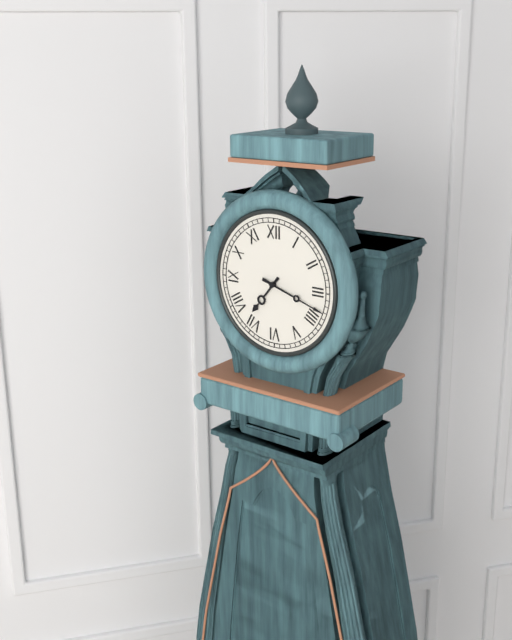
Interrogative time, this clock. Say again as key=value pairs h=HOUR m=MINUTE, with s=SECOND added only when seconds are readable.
h=7 m=18
